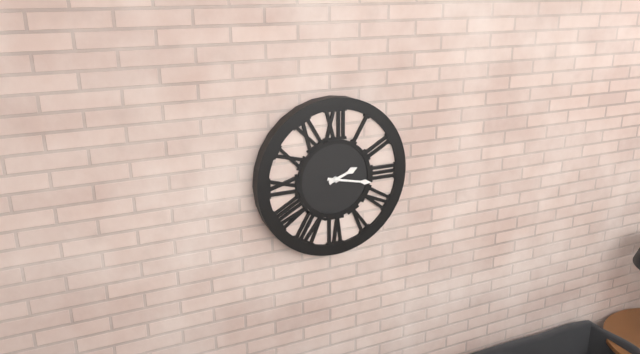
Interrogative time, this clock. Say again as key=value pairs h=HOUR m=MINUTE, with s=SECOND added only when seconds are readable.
h=2 m=17
